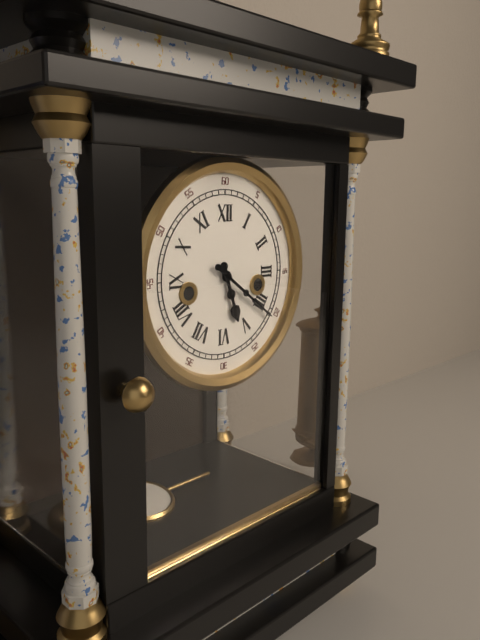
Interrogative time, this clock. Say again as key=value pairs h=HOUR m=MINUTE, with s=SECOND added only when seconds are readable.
h=5 m=21
